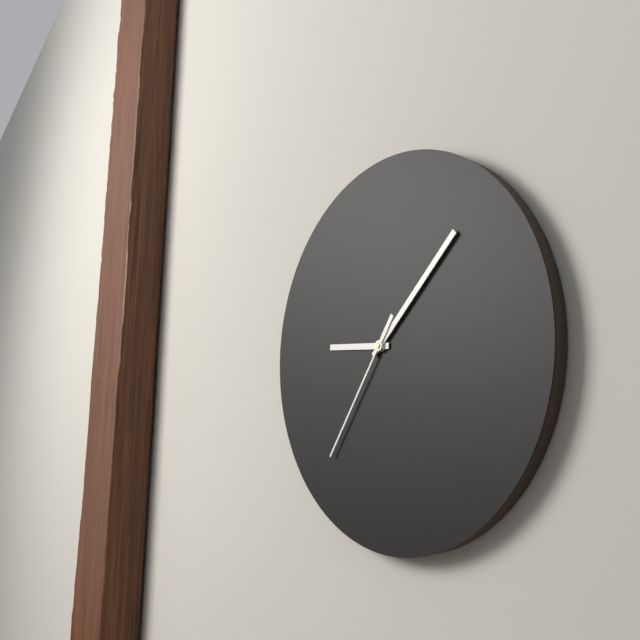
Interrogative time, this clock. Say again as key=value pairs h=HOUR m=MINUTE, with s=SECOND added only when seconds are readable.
h=9 m=8 s=36
